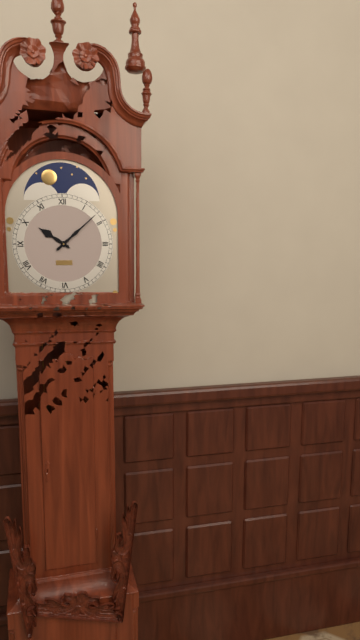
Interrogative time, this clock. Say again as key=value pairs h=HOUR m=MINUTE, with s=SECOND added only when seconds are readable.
h=10 m=8
